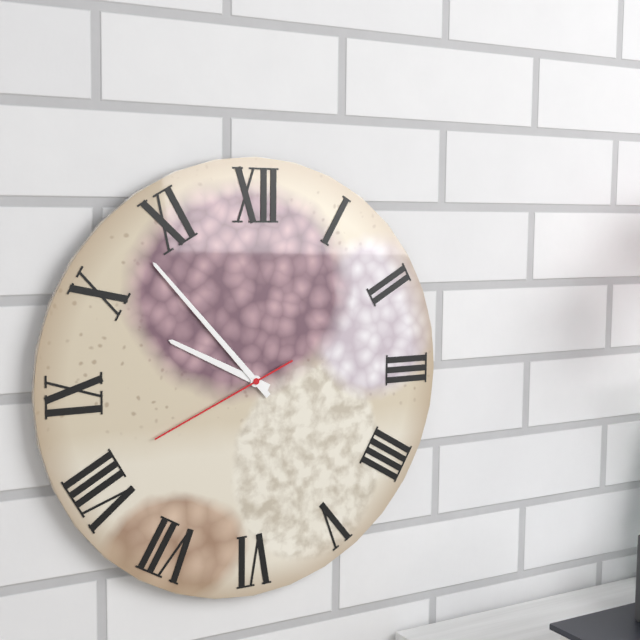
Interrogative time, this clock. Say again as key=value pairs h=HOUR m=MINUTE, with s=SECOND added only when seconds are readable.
h=9 m=53 s=41
